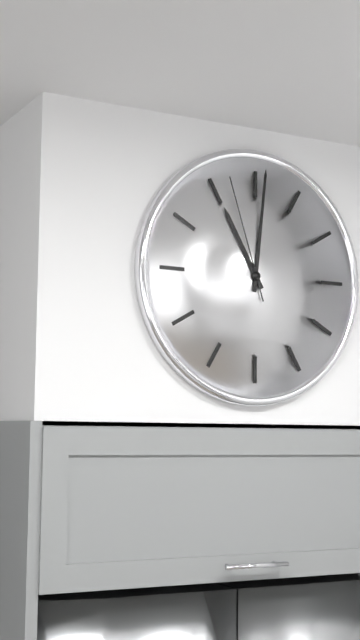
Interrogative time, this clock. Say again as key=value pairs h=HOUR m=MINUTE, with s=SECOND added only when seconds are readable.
h=11 m=1 s=57
